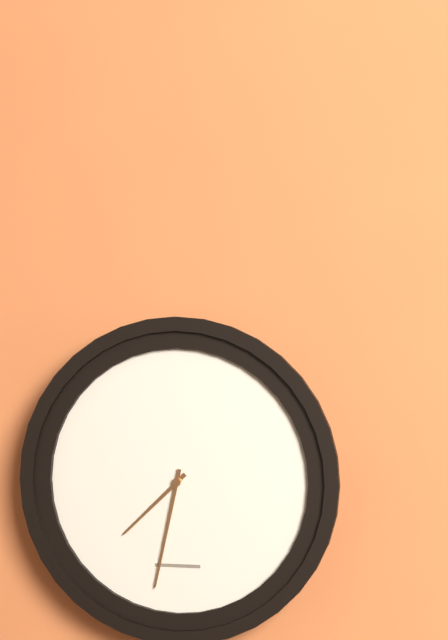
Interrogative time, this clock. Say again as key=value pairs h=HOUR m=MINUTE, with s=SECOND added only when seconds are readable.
h=7 m=32
